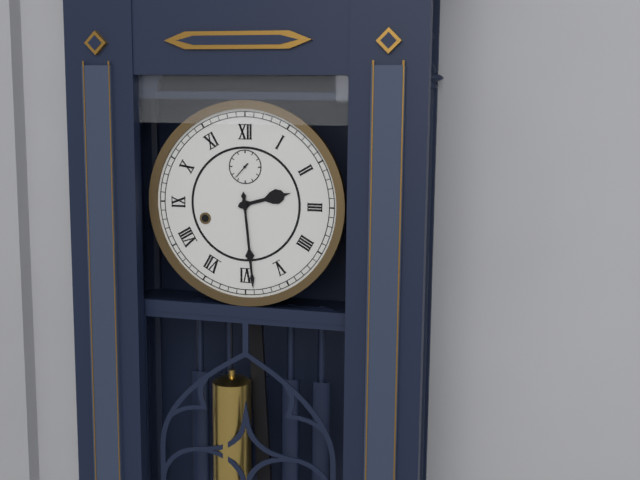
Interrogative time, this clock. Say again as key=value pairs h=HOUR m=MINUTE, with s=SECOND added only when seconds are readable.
h=2 m=29
